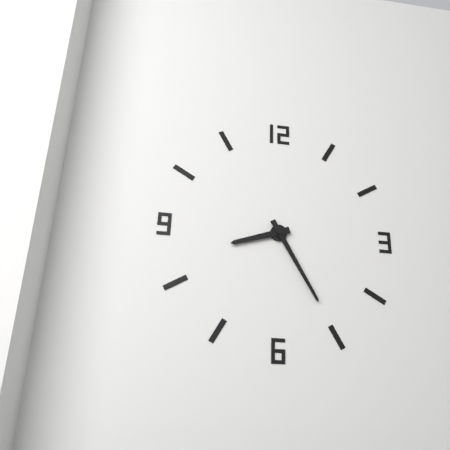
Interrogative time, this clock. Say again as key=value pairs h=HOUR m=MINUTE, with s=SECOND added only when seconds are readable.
h=8 m=25
